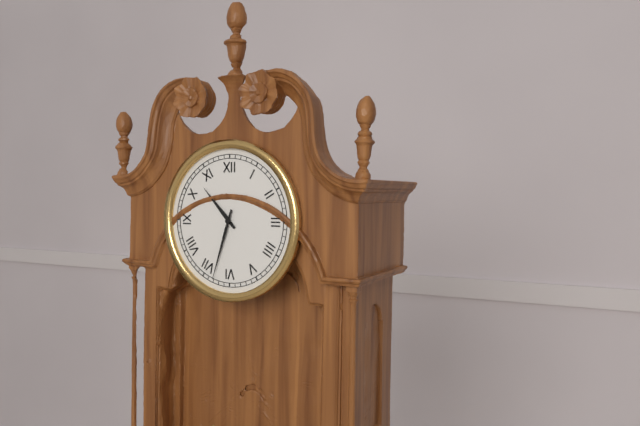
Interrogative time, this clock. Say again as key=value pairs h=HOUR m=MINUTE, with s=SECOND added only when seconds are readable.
h=10 m=33
